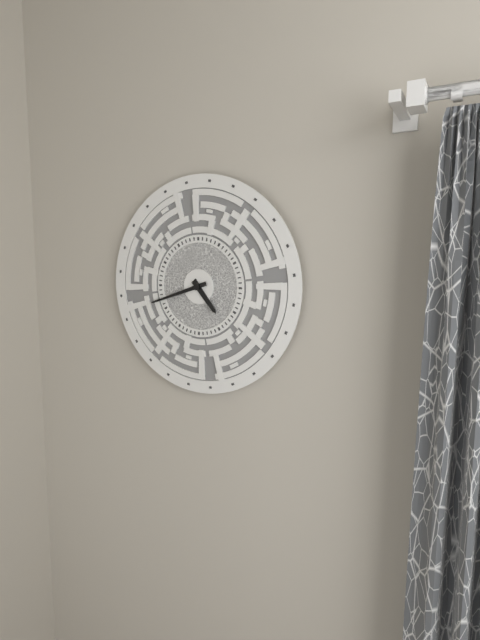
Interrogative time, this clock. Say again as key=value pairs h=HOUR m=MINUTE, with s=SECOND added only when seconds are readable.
h=4 m=42
